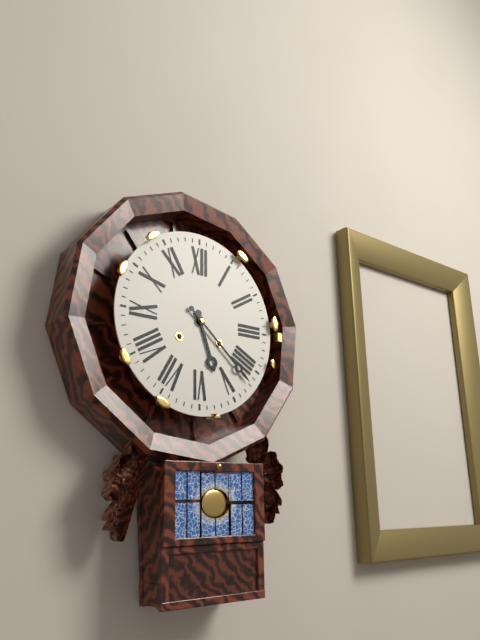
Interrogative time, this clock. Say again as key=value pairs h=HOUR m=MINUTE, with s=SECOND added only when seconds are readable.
h=5 m=22
